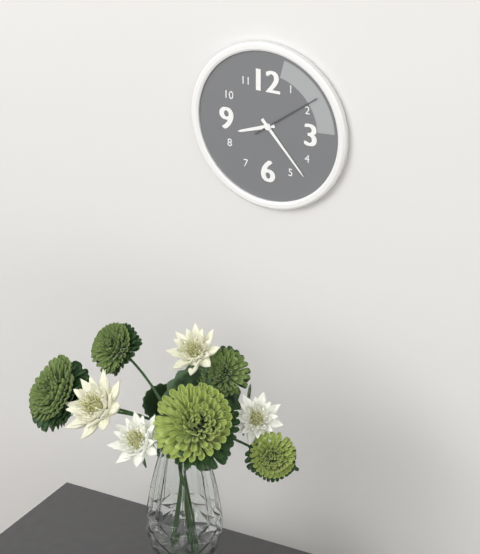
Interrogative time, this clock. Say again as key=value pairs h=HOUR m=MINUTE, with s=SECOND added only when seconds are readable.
h=8 m=23 s=9
